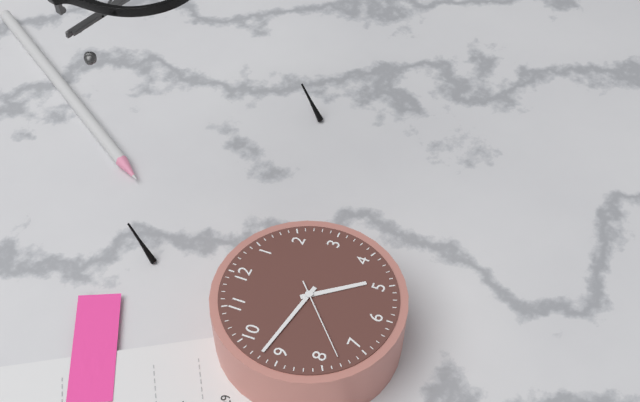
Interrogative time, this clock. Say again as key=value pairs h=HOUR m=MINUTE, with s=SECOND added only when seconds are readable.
h=4 m=47 s=38
